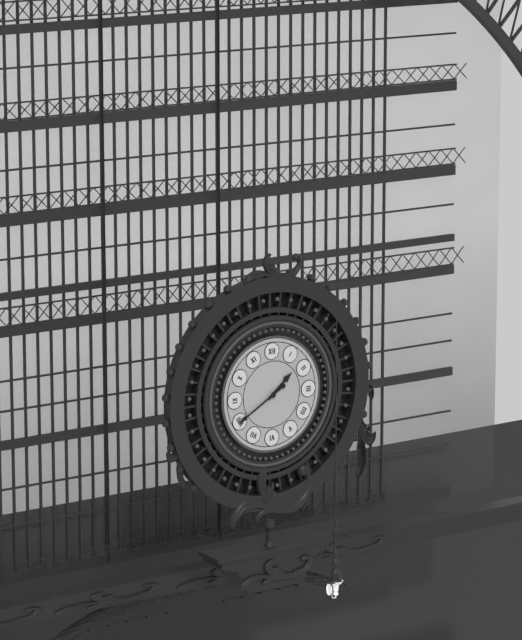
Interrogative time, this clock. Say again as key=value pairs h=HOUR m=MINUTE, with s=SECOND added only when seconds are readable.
h=1 m=40
